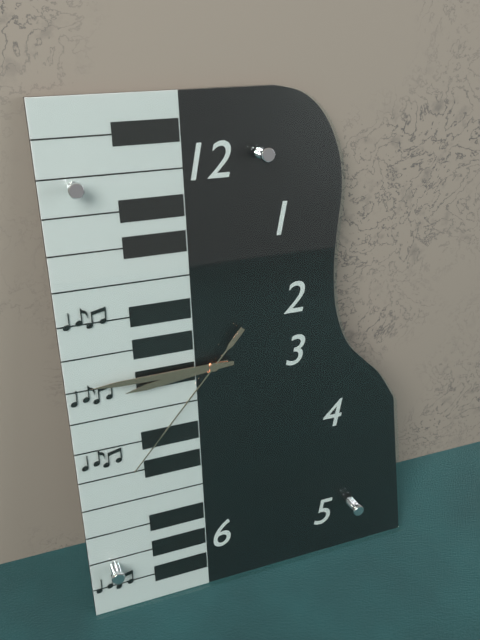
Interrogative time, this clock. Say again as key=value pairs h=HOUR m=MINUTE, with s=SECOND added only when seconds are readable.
h=8 m=45 s=37
